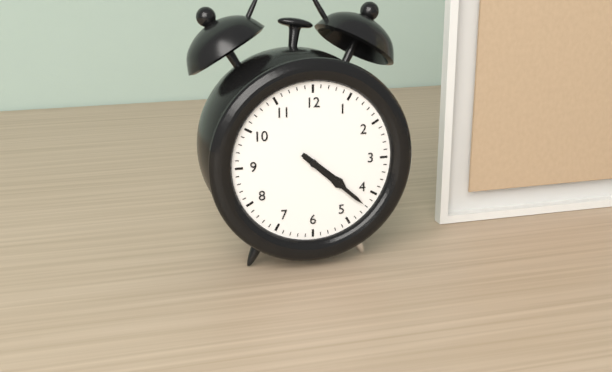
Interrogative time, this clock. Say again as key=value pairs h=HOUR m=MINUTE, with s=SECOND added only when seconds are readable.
h=4 m=22
